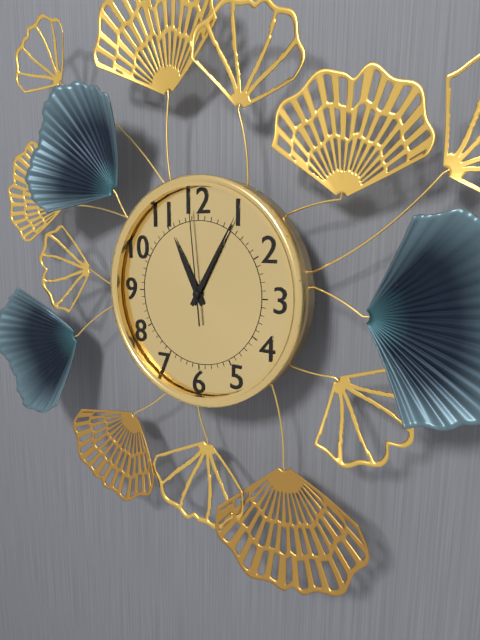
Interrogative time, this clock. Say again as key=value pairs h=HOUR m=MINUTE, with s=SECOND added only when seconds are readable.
h=11 m=5 s=59
